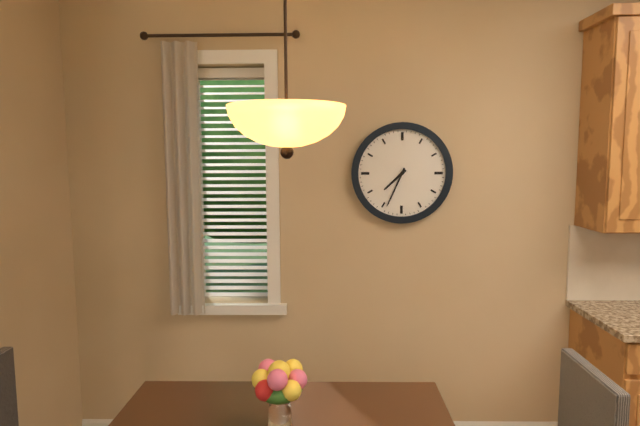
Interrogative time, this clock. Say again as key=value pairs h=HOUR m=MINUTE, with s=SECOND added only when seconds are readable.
h=7 m=34
